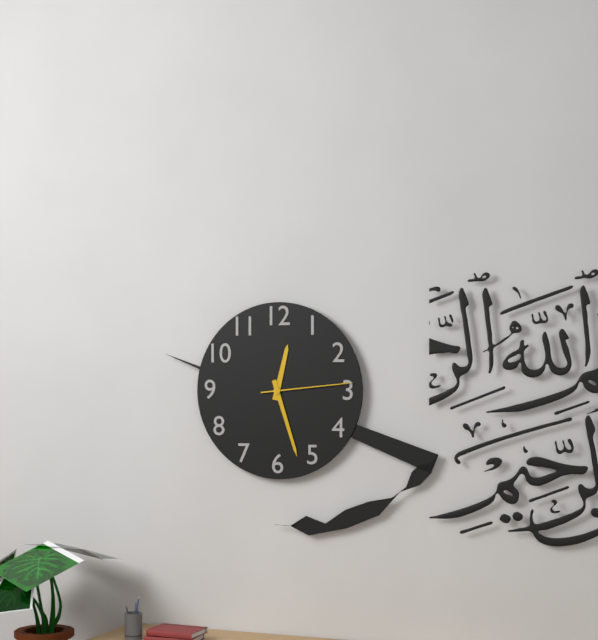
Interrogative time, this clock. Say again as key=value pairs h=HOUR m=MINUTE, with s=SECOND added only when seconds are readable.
h=12 m=27 s=14
